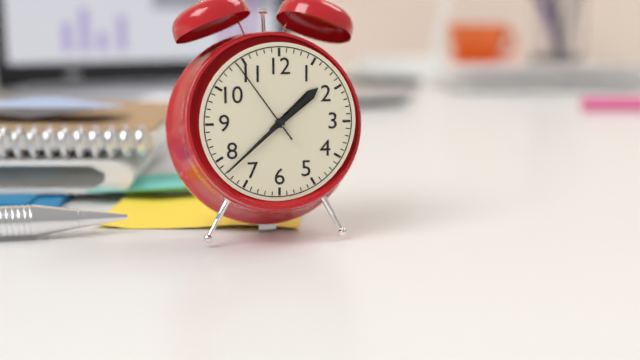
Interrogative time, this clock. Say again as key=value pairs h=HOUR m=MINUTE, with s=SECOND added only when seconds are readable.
h=1 m=38 s=54
